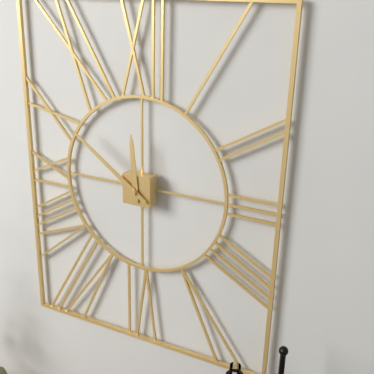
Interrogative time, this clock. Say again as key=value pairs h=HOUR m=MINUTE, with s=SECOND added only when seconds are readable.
h=11 m=51
